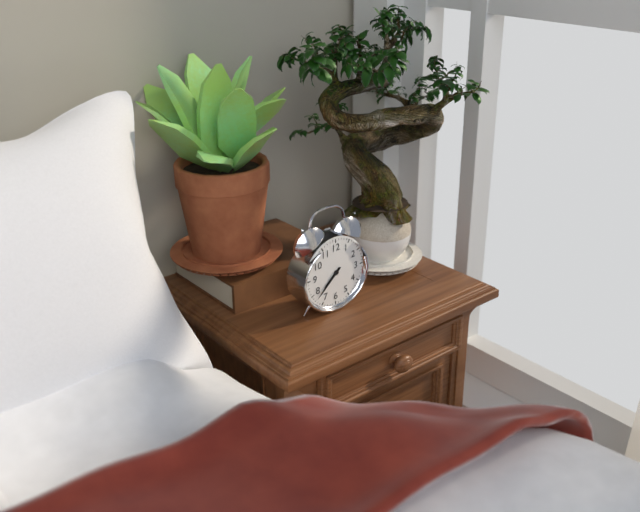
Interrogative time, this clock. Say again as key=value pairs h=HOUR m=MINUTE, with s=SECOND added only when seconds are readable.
h=7 m=38
